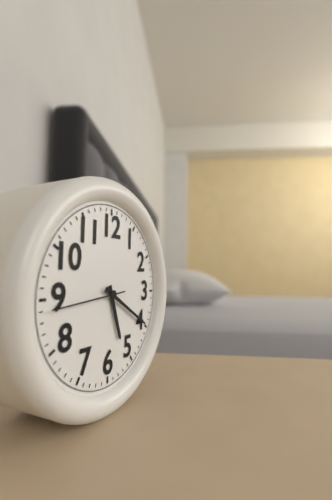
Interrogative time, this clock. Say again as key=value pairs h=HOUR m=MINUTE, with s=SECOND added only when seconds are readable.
h=5 m=20 s=44
